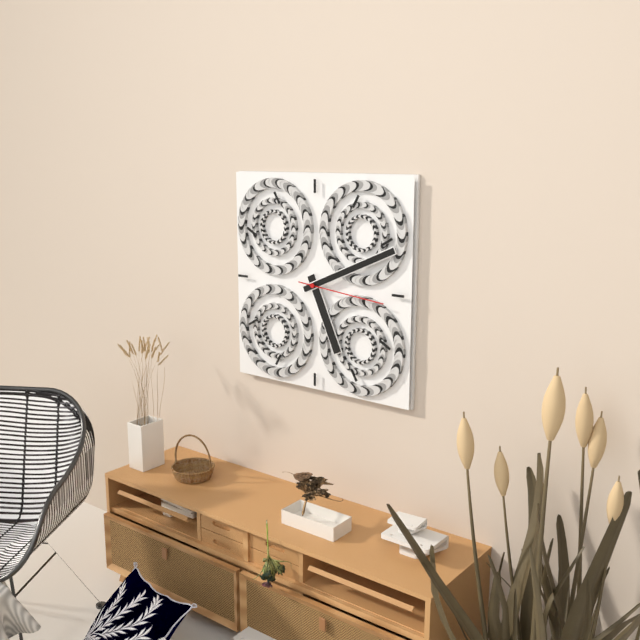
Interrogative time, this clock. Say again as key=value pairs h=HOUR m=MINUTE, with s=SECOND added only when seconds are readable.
h=5 m=11 s=16
